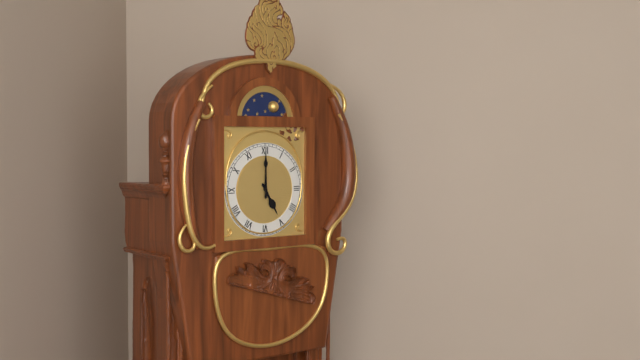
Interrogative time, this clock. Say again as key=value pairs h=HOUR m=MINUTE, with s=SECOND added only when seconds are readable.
h=5 m=0
